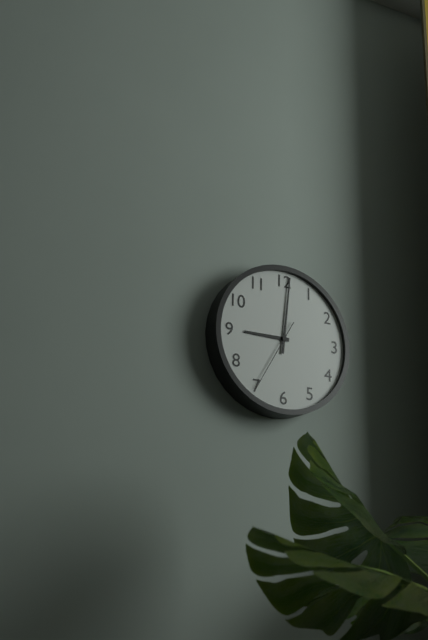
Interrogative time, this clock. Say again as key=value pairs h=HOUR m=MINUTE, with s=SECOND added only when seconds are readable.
h=9 m=1 s=35
